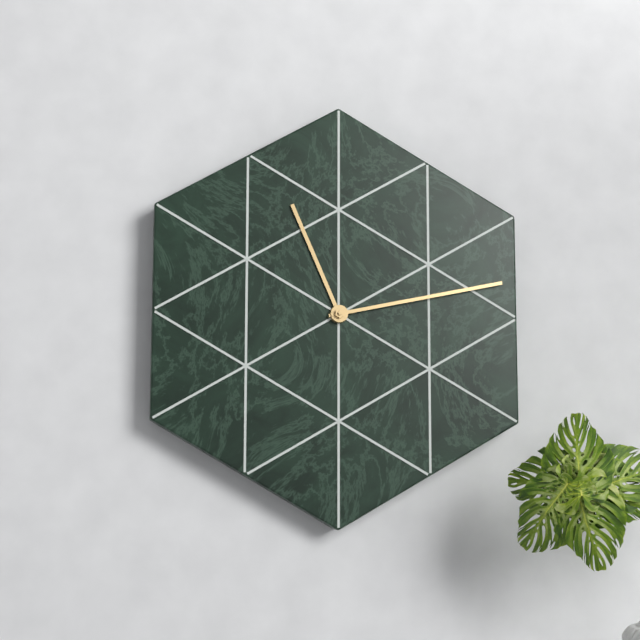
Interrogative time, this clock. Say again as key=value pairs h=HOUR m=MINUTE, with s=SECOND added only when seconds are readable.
h=11 m=13
